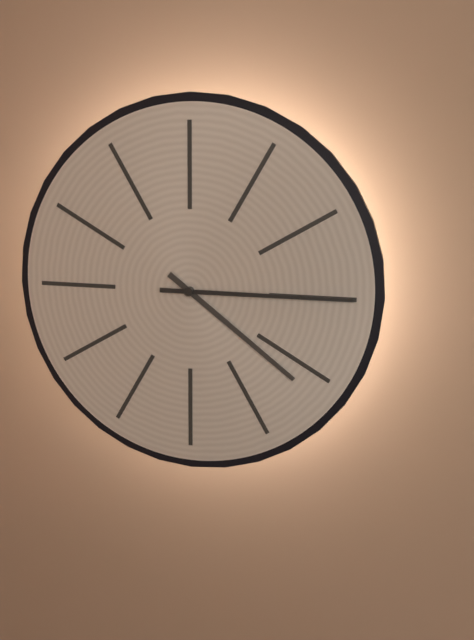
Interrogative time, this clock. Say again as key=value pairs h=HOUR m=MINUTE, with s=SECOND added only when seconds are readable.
h=4 m=15
